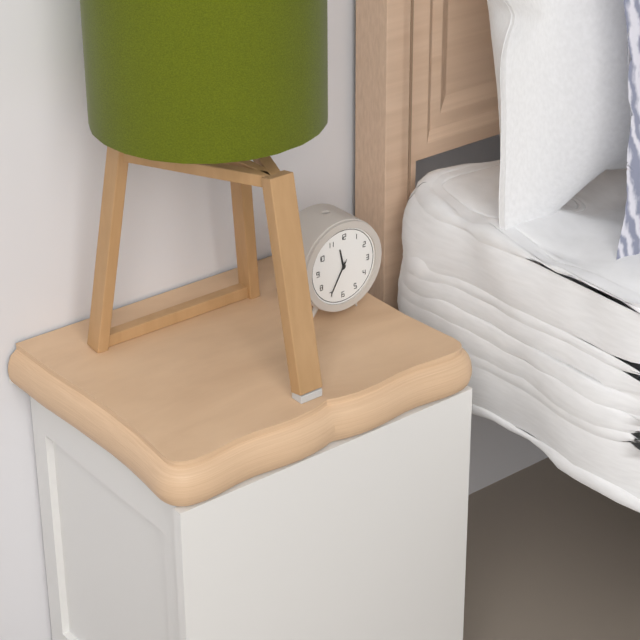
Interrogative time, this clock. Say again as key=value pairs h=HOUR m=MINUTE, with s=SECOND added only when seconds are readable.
h=11 m=35
